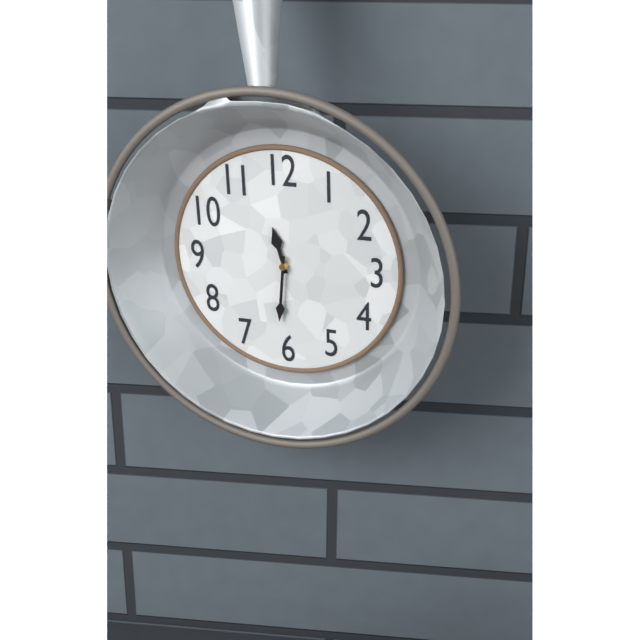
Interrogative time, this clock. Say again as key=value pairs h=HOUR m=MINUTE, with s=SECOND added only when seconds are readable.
h=11 m=31
